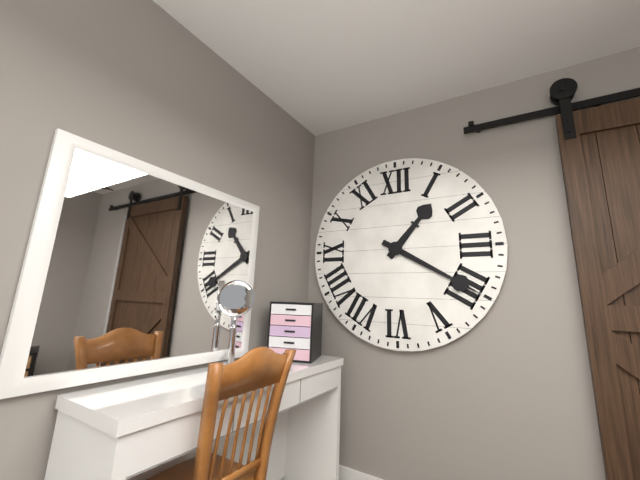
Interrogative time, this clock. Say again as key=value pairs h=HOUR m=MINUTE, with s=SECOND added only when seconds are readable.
h=1 m=20
